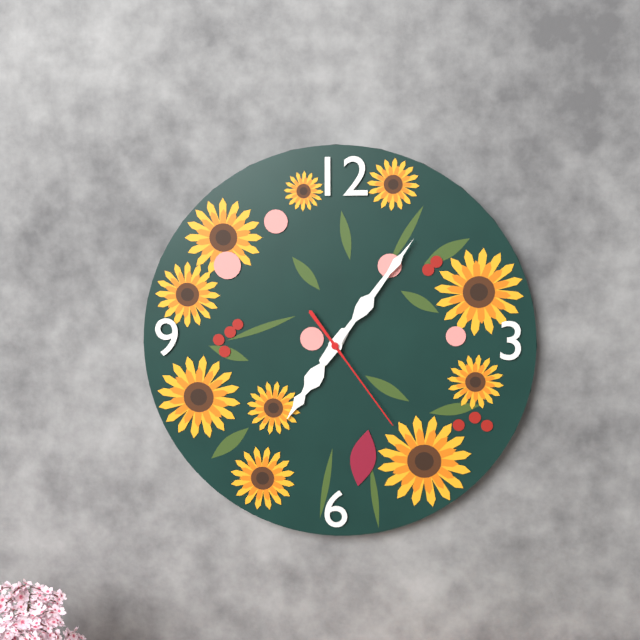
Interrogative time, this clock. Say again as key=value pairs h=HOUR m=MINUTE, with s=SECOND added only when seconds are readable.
h=7 m=6 s=24
